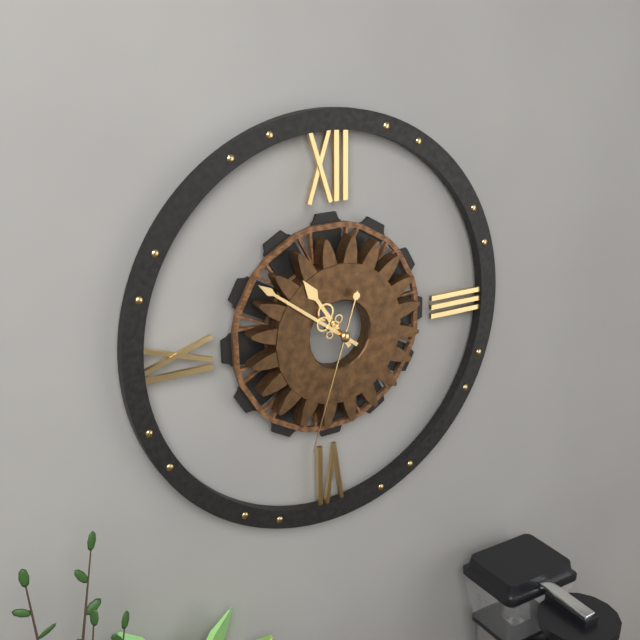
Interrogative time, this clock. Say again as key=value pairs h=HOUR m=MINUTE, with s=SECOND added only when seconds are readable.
h=10 m=51 s=33
